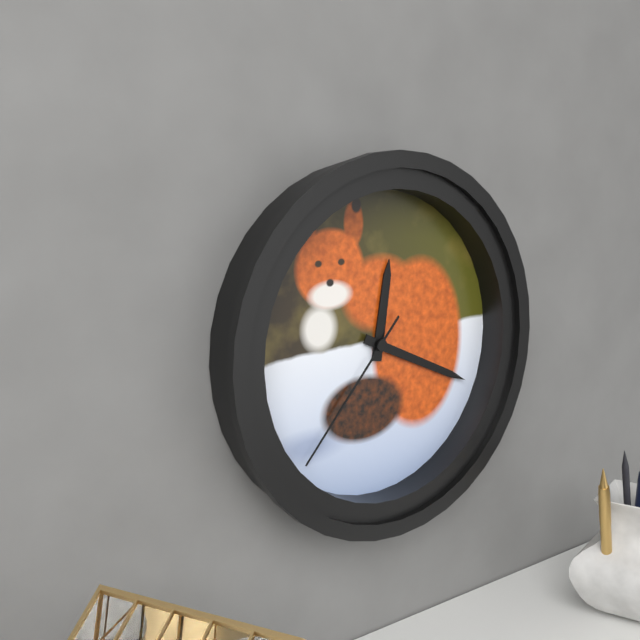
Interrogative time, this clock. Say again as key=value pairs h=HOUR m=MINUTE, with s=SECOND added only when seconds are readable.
h=12 m=19 s=37
